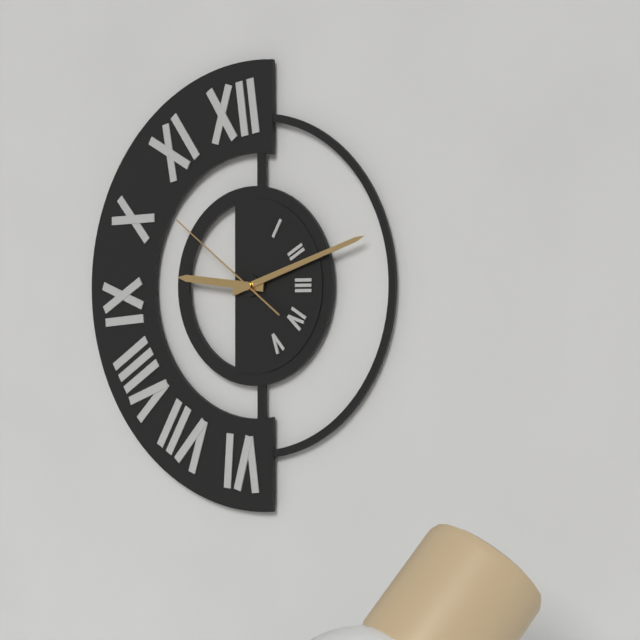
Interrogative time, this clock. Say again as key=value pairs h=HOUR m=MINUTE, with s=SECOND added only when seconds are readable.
h=9 m=12 s=51
